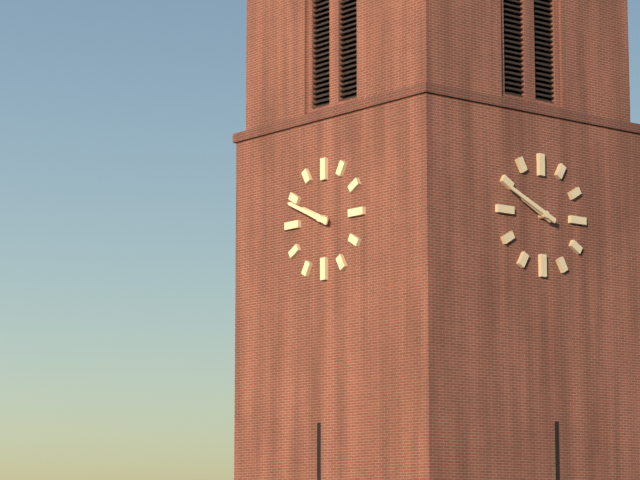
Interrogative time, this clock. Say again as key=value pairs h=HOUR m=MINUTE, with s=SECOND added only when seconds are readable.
h=9 m=49
